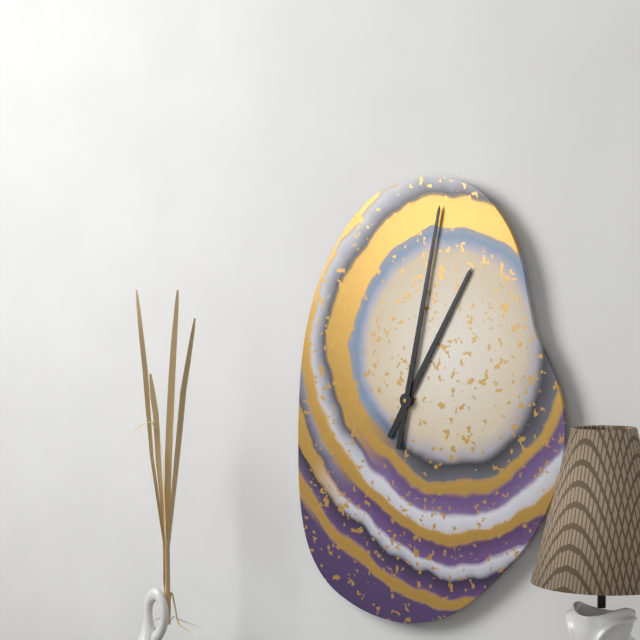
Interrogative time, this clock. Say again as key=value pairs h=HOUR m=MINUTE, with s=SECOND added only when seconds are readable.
h=1 m=2
